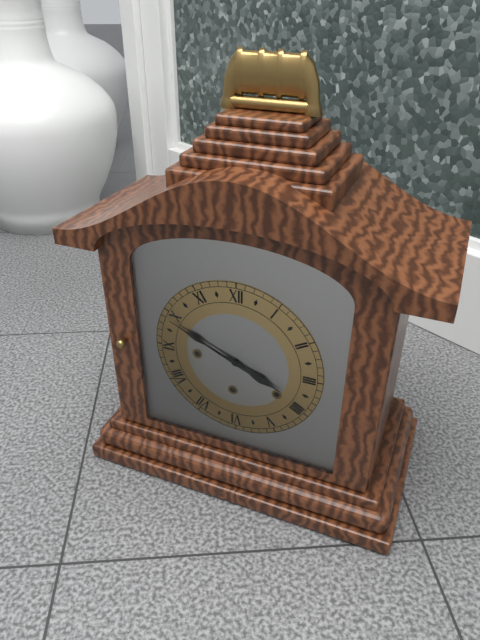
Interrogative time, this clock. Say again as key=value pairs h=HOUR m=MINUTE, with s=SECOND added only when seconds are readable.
h=3 m=49
